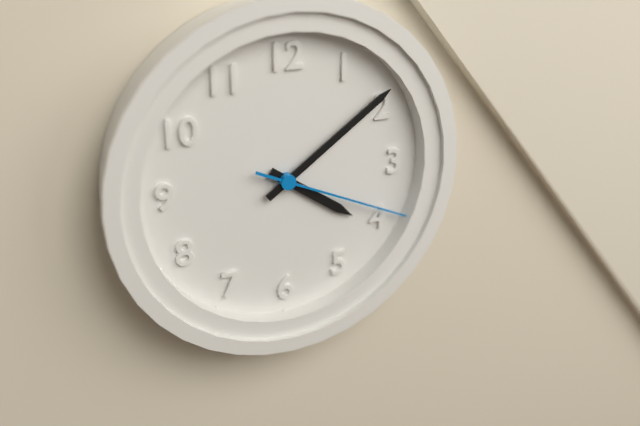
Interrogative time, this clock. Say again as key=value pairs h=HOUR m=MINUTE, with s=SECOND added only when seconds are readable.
h=4 m=9 s=19
